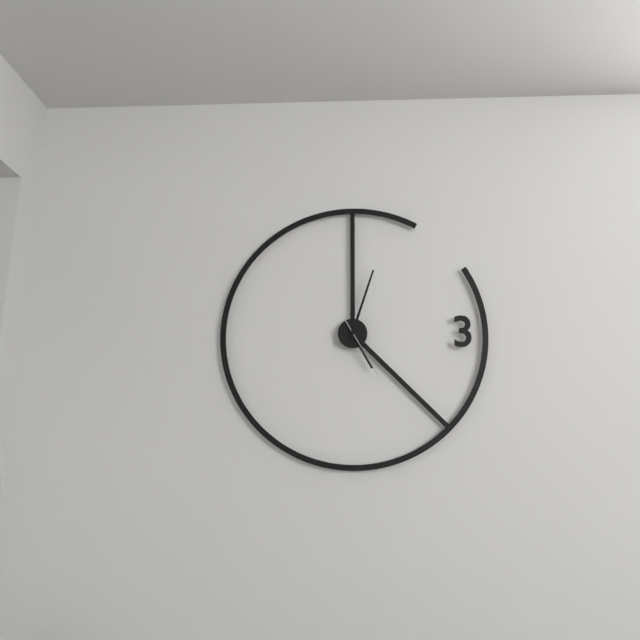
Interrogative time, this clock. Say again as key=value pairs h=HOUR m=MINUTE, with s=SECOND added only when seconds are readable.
h=5 m=3 s=25
